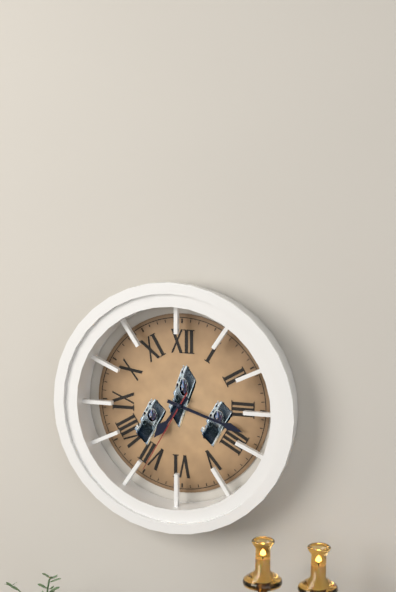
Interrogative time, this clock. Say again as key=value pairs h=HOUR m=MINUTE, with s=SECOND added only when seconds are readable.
h=7 m=18 s=35
